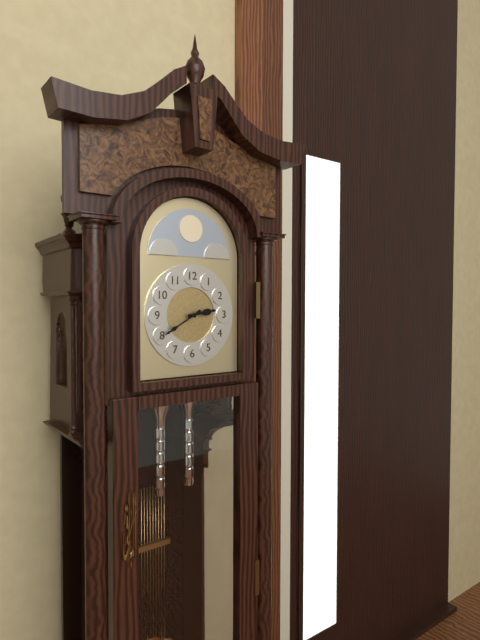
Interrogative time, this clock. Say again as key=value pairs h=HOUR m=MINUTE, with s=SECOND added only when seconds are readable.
h=2 m=40
